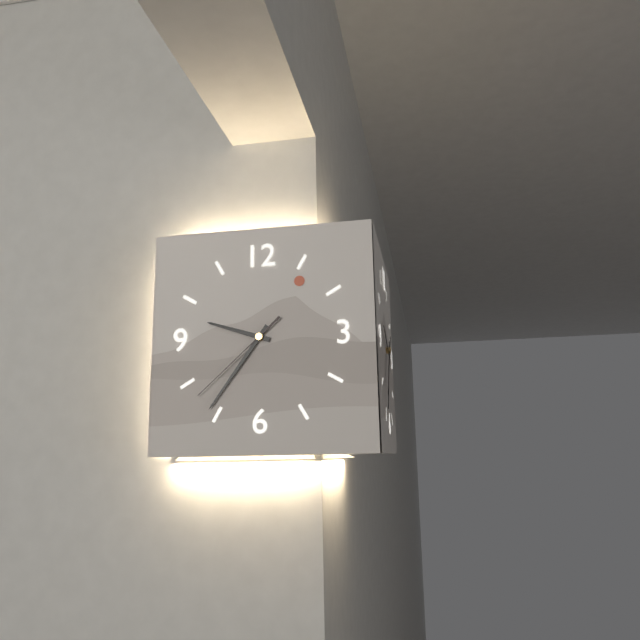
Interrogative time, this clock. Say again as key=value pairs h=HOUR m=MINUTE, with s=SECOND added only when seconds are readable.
h=9 m=36 s=38
